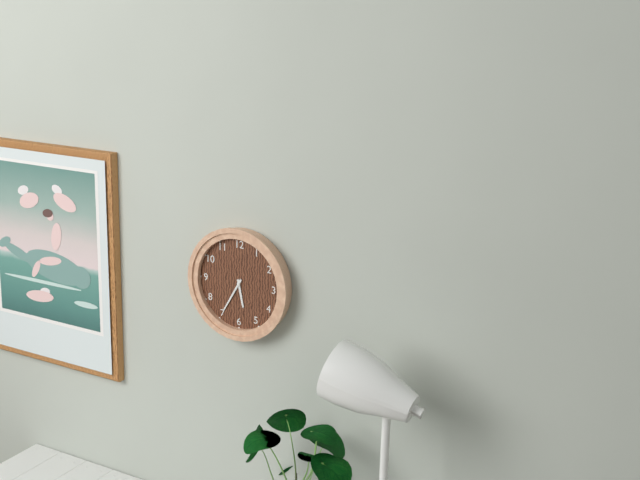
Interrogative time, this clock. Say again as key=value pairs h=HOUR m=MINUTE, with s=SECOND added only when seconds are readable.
h=5 m=35
